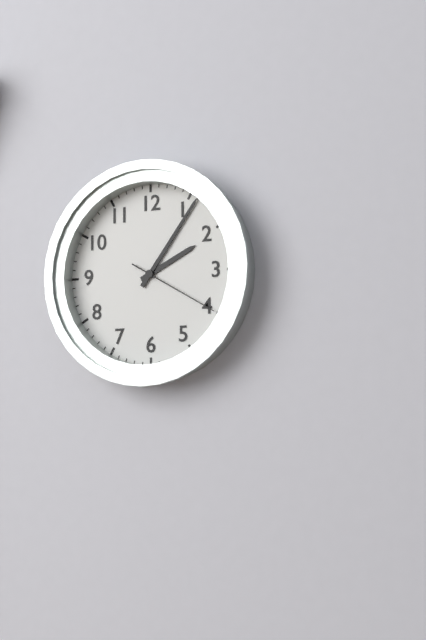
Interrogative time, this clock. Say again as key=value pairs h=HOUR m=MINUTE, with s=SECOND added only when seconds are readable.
h=2 m=6 s=20
